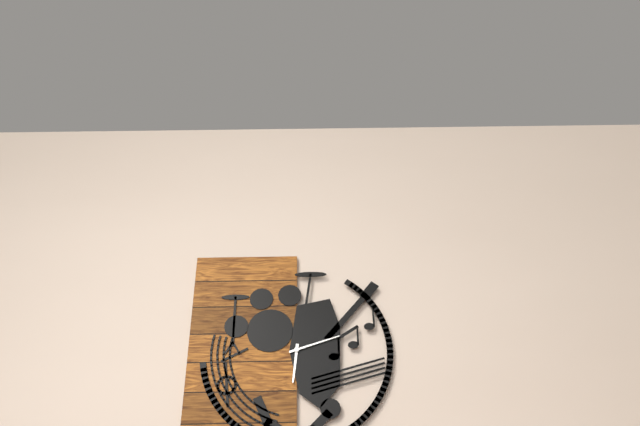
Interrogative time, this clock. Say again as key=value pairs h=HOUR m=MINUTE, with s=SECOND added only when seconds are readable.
h=6 m=12
